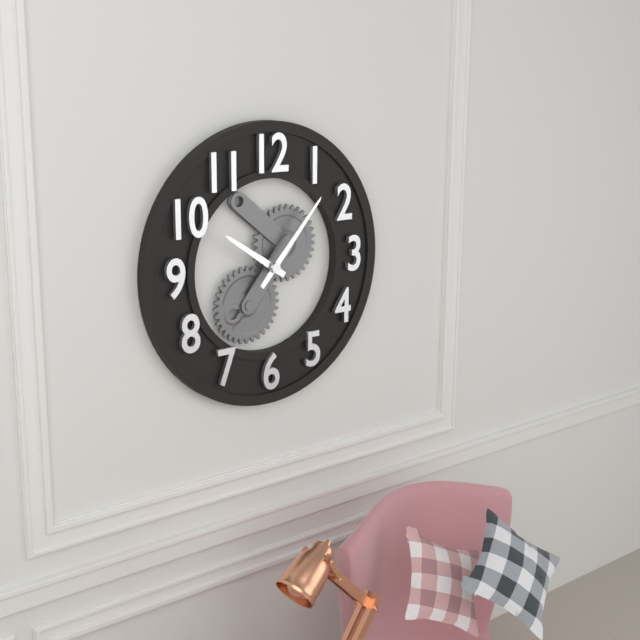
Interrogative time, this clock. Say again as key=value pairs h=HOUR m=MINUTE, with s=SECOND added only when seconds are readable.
h=10 m=7
